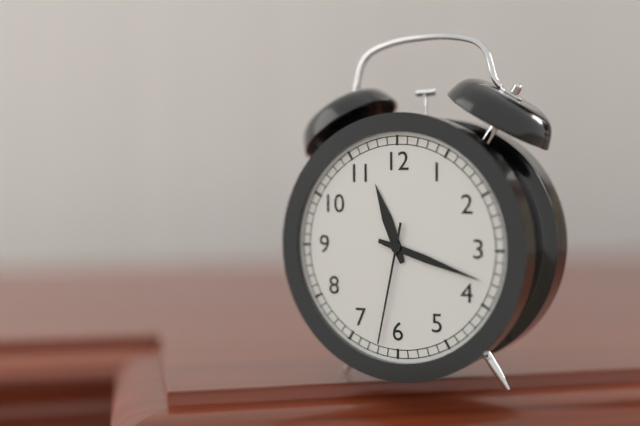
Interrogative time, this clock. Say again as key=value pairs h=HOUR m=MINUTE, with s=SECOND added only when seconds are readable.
h=11 m=18 s=32
